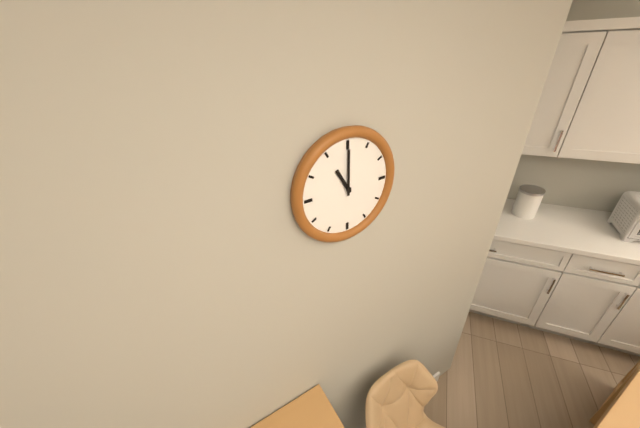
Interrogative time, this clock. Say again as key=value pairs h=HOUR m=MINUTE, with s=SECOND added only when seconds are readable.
h=11 m=0
